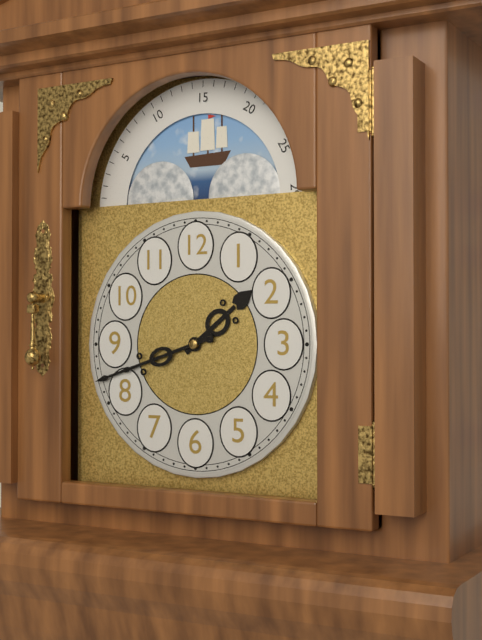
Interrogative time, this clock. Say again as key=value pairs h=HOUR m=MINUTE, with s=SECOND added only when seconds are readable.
h=1 m=42
